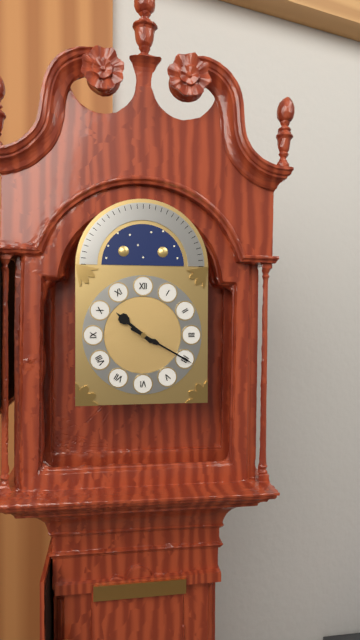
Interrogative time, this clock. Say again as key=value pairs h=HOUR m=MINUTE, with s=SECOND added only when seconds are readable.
h=10 m=20
